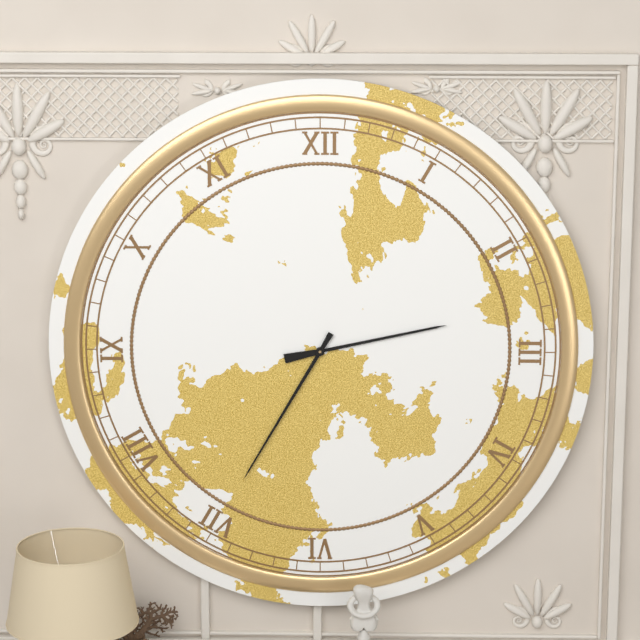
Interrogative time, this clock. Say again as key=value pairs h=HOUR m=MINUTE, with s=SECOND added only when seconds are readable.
h=2 m=35
